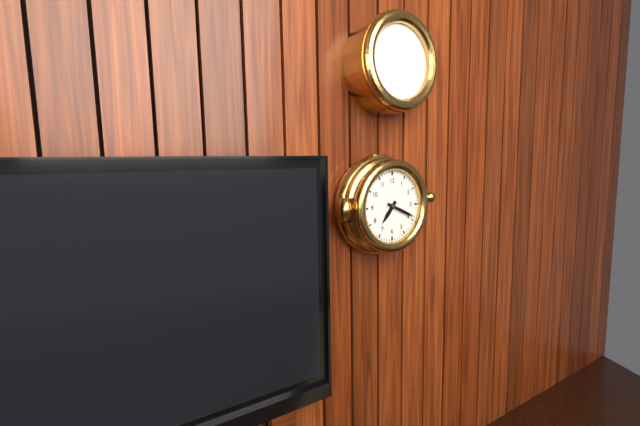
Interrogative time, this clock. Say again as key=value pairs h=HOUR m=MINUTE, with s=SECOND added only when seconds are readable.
h=7 m=19
